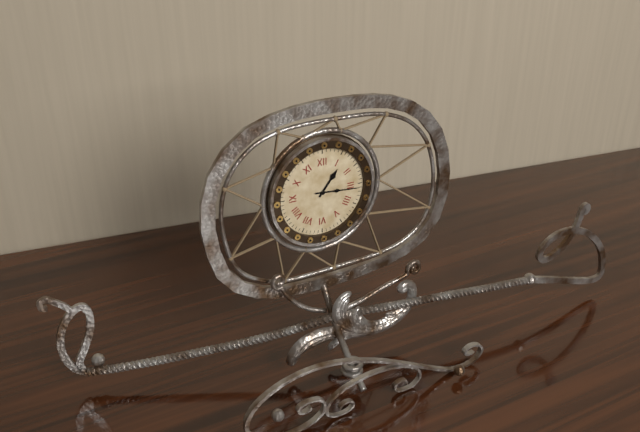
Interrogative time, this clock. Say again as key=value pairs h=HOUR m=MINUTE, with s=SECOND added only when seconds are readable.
h=1 m=16
